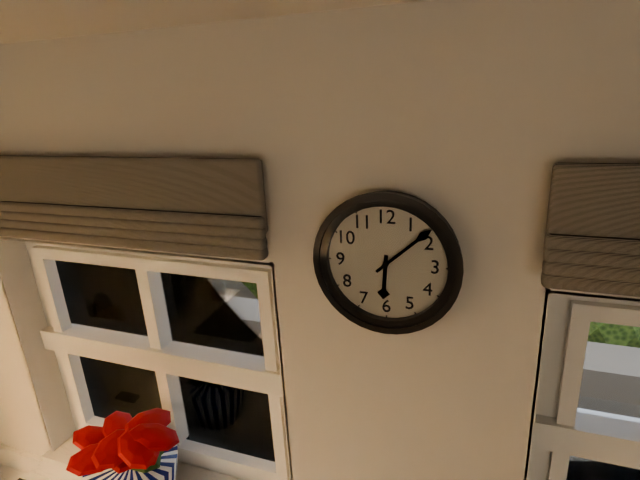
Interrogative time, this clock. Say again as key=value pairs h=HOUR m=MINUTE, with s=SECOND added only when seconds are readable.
h=6 m=8
